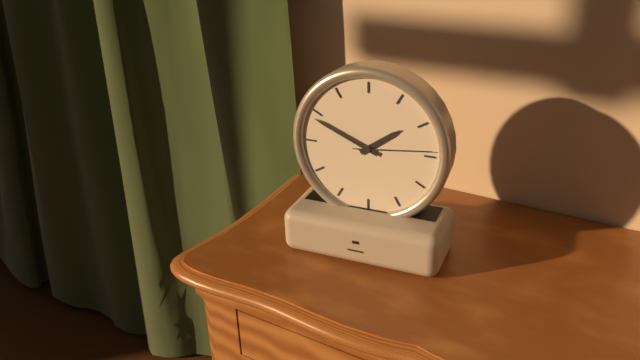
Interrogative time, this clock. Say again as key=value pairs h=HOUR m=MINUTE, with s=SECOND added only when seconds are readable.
h=1 m=49 s=14
